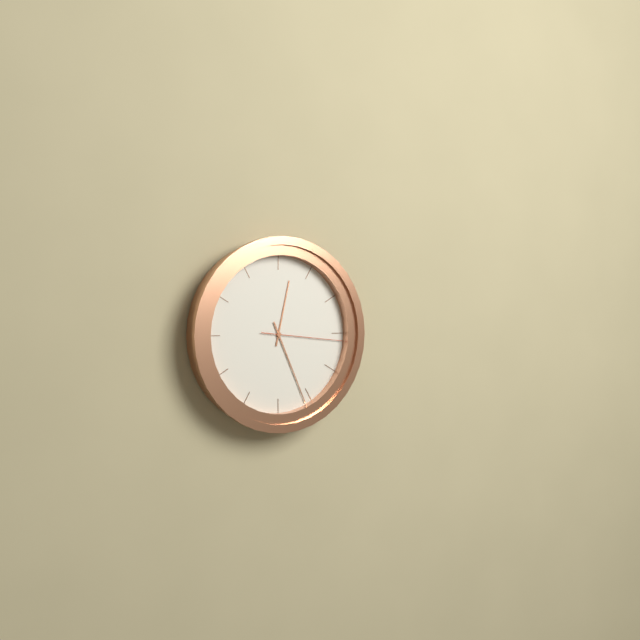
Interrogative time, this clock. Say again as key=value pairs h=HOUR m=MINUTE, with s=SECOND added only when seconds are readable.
h=12 m=26 s=16
